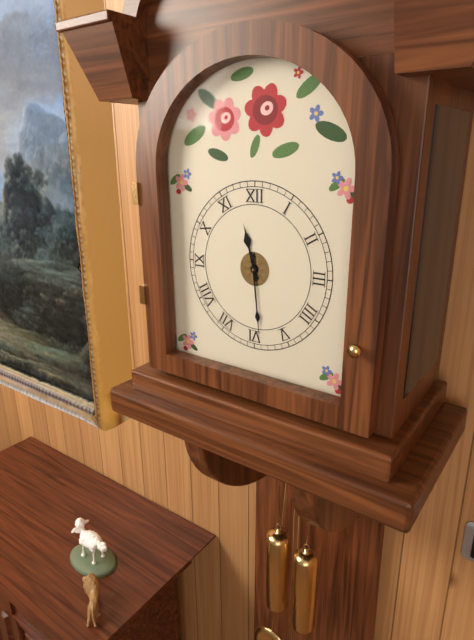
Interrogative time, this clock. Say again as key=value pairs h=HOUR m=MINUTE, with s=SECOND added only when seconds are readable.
h=11 m=29
